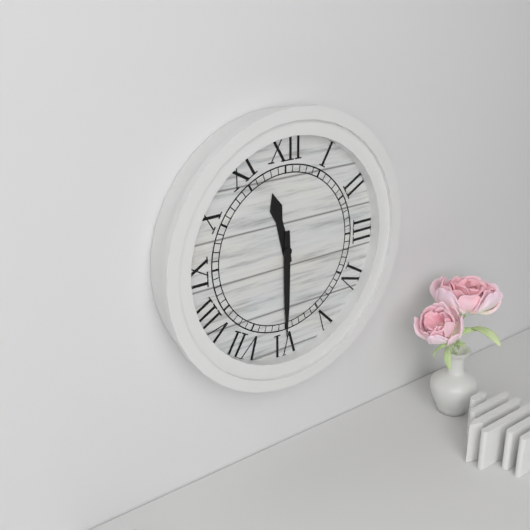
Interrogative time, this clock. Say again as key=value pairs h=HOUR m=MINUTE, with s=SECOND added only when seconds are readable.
h=11 m=30
